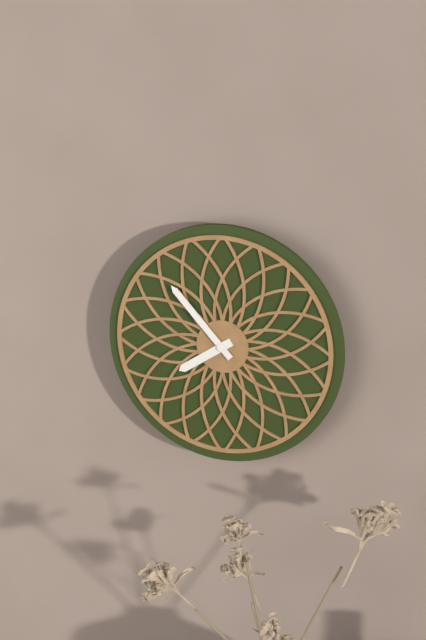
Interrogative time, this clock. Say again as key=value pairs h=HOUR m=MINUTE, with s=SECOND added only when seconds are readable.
h=7 m=53
